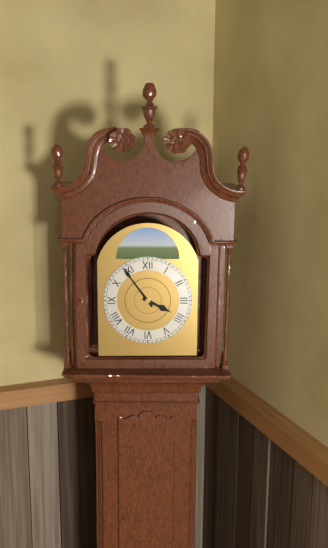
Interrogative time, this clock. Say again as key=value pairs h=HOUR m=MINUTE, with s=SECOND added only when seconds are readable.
h=3 m=54
